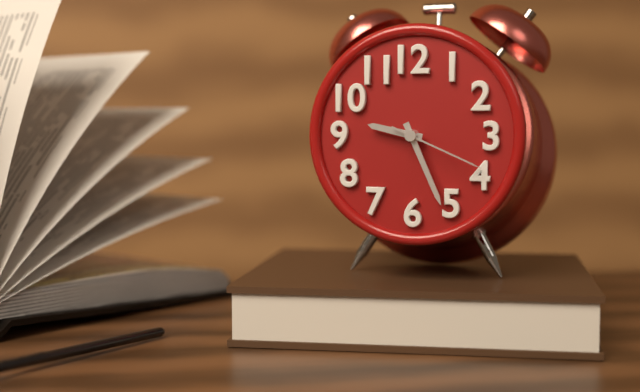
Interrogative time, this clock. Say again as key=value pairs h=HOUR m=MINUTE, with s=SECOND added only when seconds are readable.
h=9 m=26 s=19
